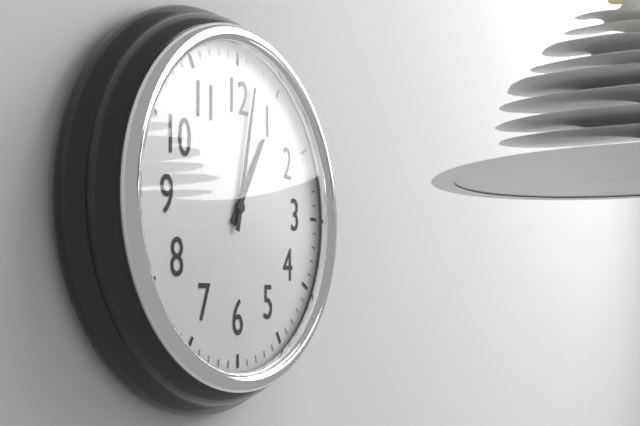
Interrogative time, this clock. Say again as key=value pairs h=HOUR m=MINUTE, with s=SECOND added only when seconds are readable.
h=1 m=2
